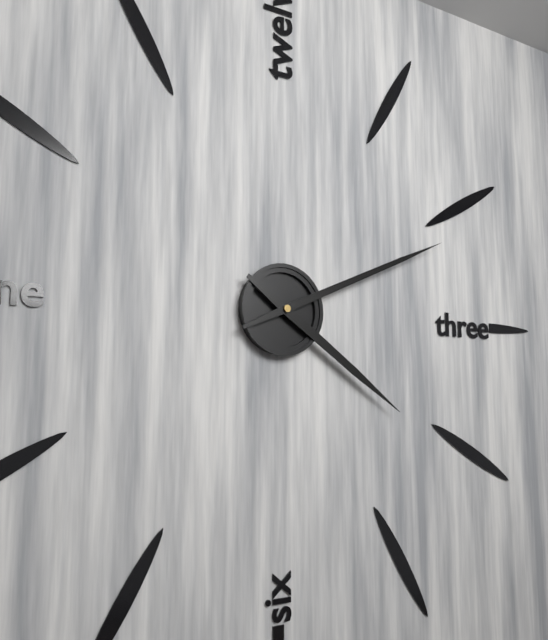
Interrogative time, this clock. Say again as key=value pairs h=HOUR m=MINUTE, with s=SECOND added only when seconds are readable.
h=4 m=11
